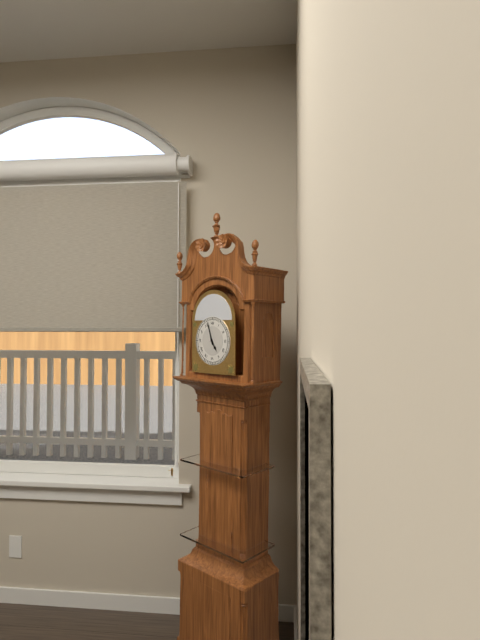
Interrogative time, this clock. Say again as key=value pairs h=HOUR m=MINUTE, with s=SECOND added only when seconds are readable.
h=4 m=57
